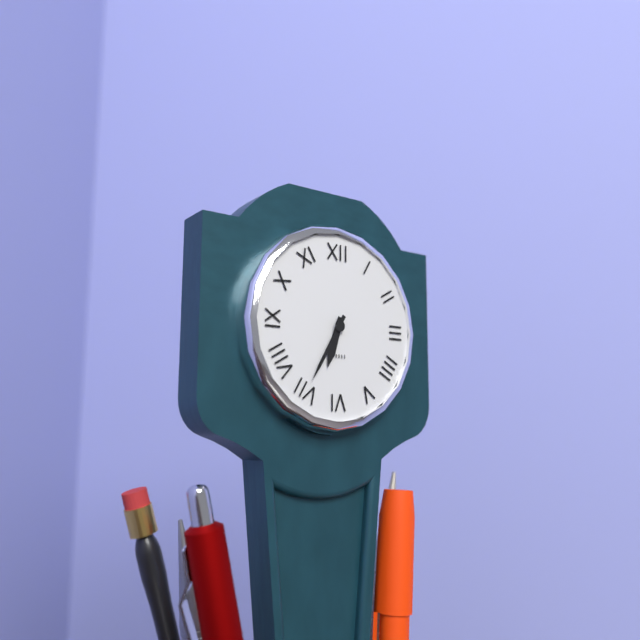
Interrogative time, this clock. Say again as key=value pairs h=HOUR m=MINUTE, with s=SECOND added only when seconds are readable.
h=6 m=35
